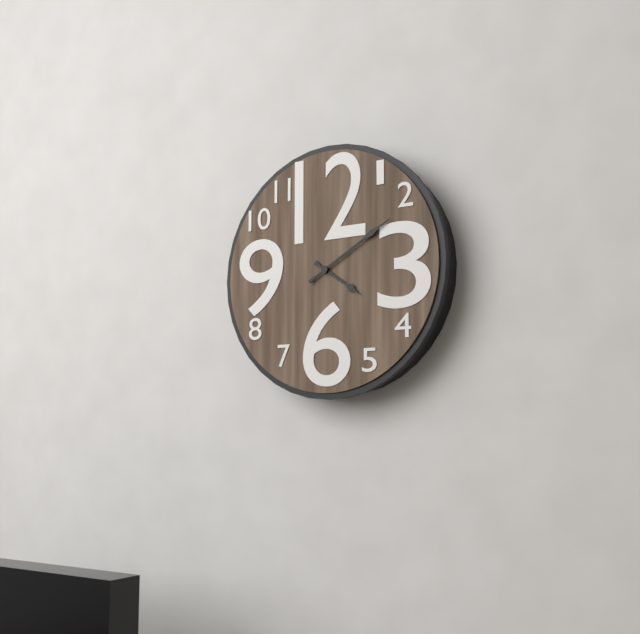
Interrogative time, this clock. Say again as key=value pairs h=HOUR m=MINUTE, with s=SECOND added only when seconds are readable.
h=4 m=10
